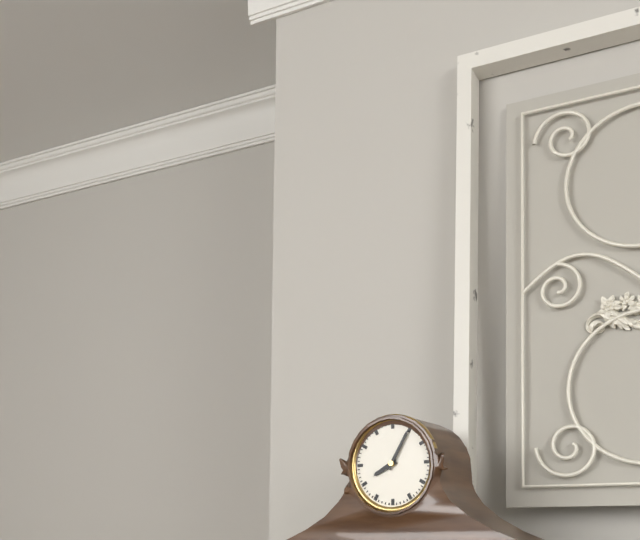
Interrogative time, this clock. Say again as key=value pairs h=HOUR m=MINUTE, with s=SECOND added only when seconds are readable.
h=8 m=5
